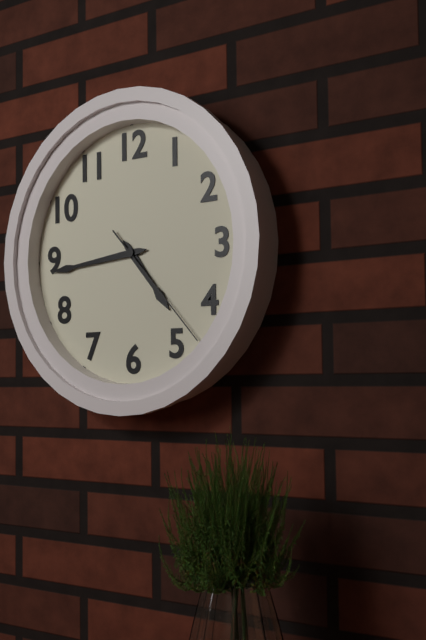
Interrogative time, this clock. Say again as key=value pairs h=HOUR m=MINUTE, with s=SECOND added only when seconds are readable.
h=4 m=44 s=23
